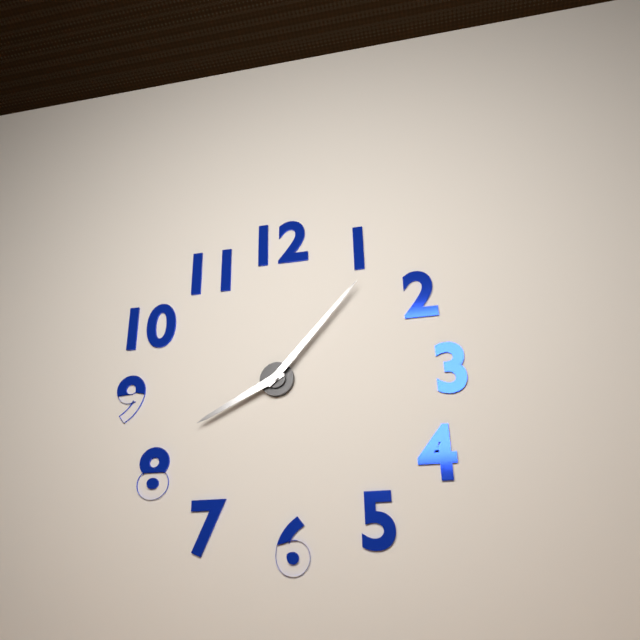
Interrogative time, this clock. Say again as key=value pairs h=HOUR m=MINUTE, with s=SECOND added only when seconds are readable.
h=8 m=7
